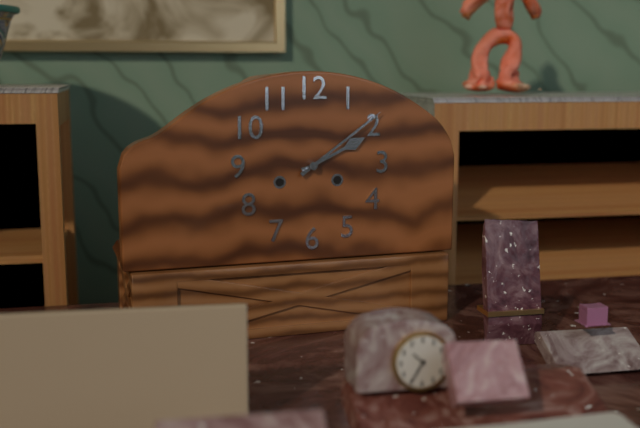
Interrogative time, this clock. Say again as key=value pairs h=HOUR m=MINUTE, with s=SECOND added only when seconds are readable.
h=2 m=9
